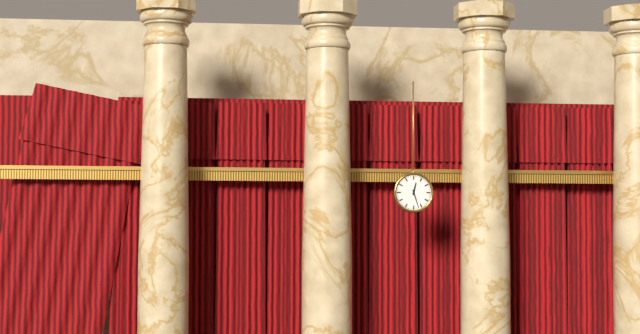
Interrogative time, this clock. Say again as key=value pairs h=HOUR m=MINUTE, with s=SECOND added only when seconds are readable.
h=12 m=27
